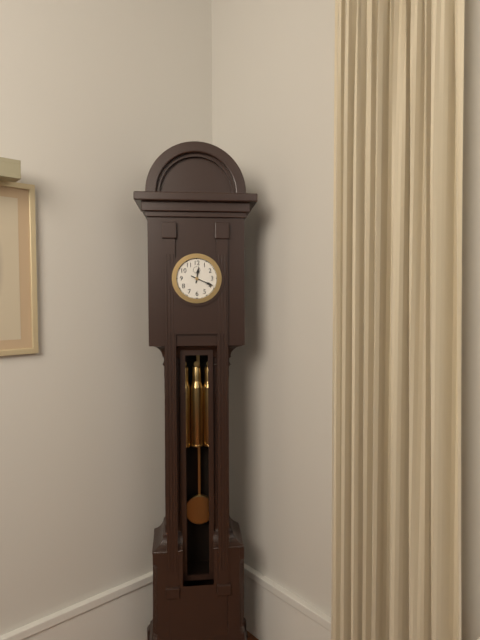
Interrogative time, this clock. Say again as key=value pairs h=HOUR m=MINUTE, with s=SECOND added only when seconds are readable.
h=12 m=19
